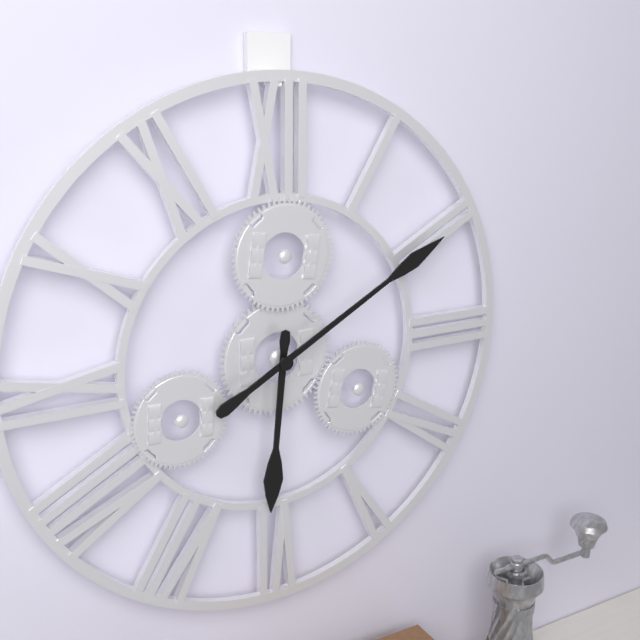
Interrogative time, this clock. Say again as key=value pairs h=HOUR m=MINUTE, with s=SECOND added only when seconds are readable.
h=6 m=10
